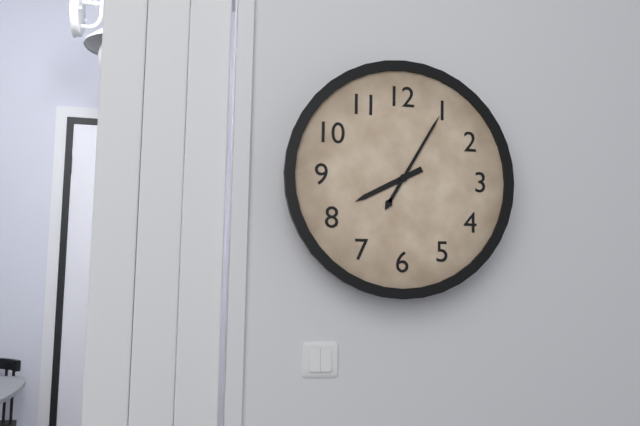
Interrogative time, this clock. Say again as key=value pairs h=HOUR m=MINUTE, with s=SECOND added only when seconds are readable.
h=8 m=5
